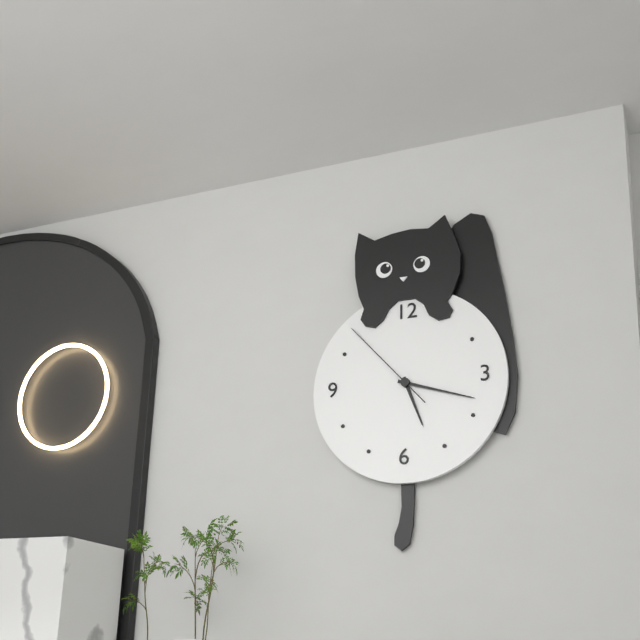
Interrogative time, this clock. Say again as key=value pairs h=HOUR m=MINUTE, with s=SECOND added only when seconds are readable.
h=5 m=18 s=53
